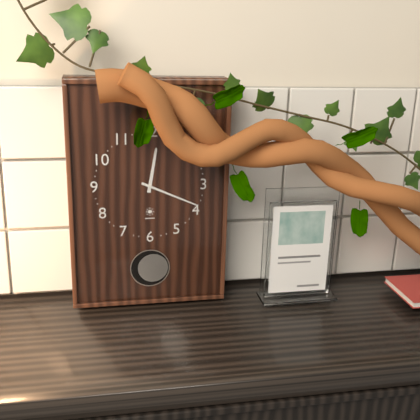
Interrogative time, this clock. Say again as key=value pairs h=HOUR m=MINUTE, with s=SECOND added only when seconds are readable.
h=12 m=19
